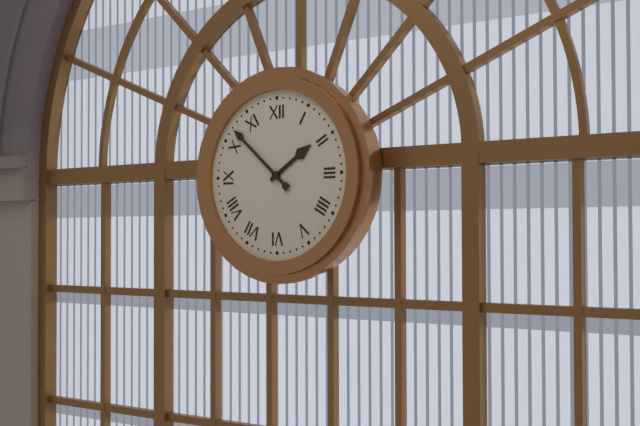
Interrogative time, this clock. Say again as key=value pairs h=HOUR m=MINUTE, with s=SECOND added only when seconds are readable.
h=1 m=52
